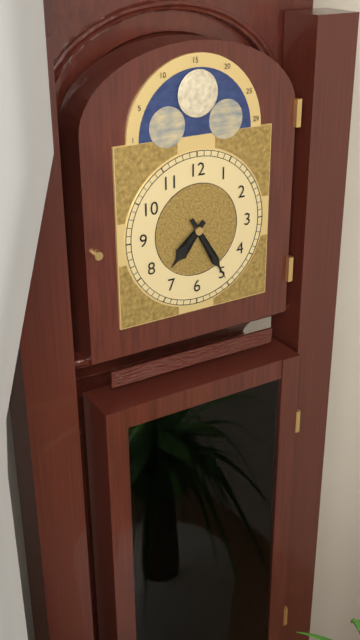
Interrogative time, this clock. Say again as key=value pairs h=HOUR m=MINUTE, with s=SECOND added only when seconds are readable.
h=7 m=25
